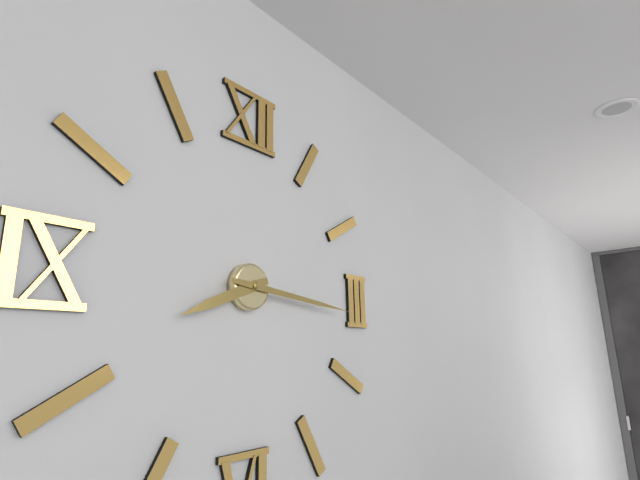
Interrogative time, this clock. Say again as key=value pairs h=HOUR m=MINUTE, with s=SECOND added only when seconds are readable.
h=8 m=16
